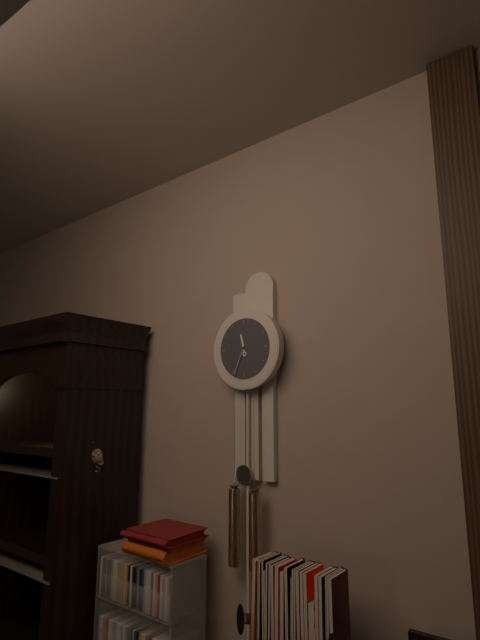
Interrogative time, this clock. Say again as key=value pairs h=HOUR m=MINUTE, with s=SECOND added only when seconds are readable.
h=11 m=34
